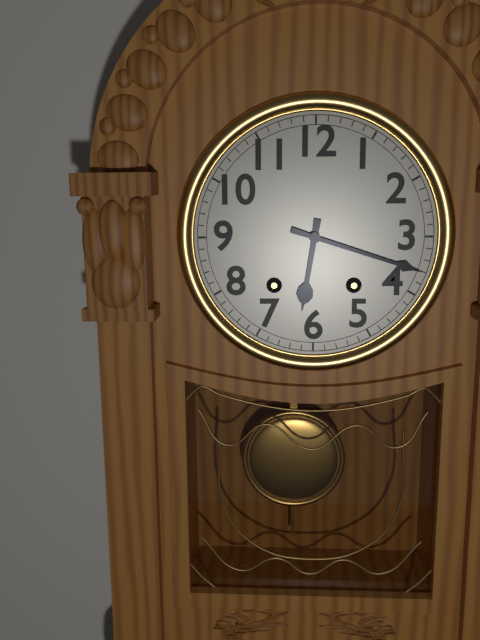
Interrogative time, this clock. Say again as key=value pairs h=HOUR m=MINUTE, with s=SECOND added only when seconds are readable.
h=6 m=18
